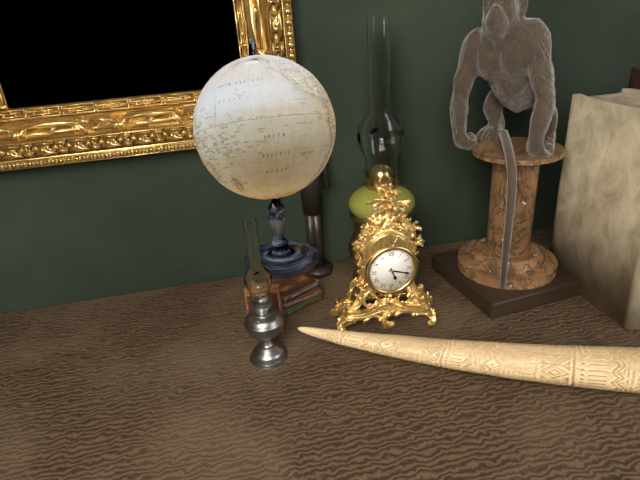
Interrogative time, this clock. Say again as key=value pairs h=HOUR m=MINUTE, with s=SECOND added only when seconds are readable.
h=5 m=18
